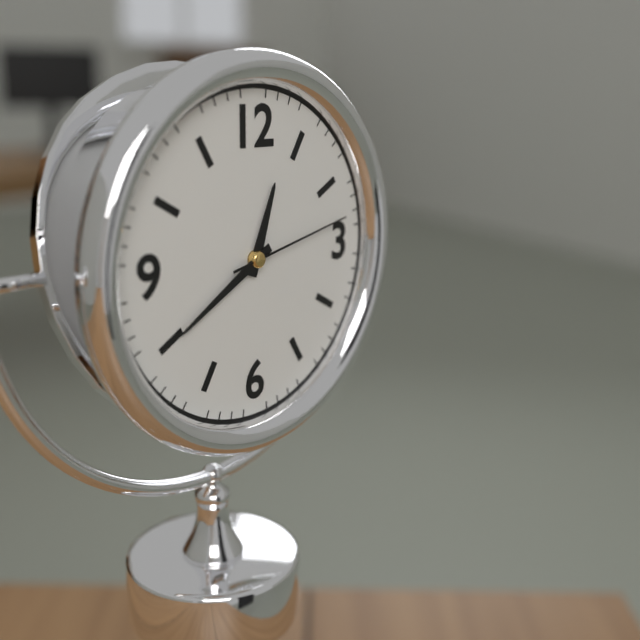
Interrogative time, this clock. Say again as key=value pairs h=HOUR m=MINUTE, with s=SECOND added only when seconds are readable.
h=12 m=40 s=13
